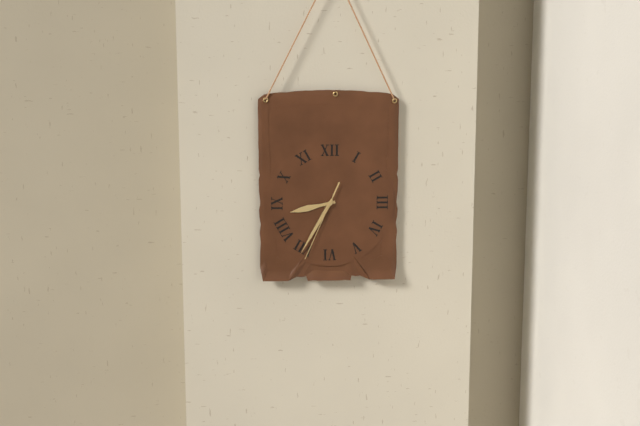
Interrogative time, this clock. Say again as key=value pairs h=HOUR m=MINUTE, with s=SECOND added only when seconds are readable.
h=8 m=35 s=34
